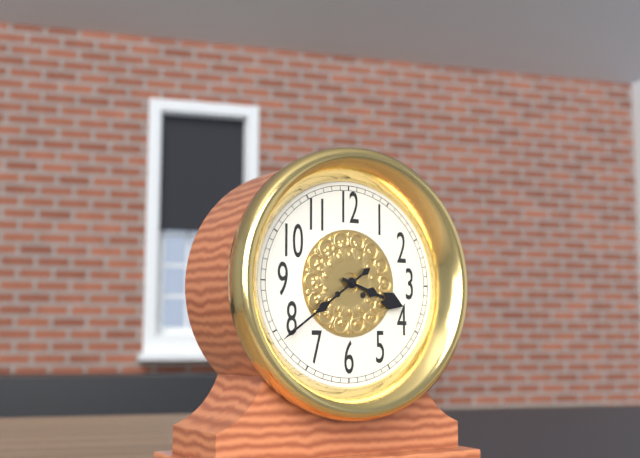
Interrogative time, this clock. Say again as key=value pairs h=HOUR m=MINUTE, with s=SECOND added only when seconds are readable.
h=3 m=39
